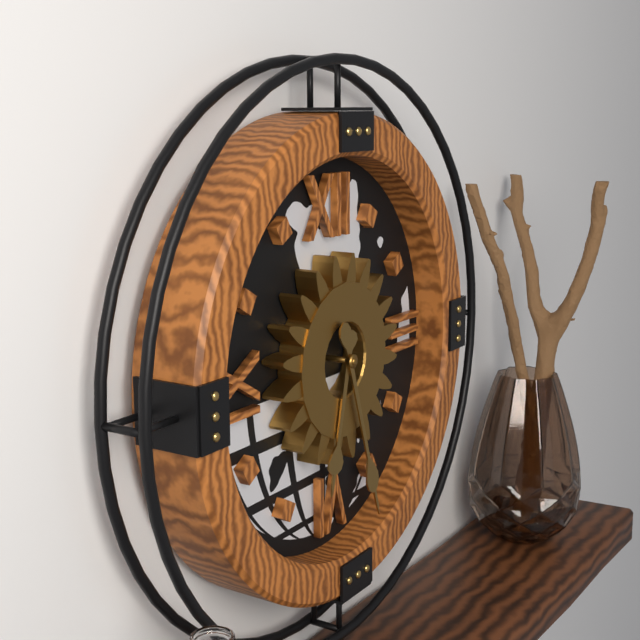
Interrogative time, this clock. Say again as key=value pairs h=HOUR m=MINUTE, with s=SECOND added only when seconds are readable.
h=6 m=27
